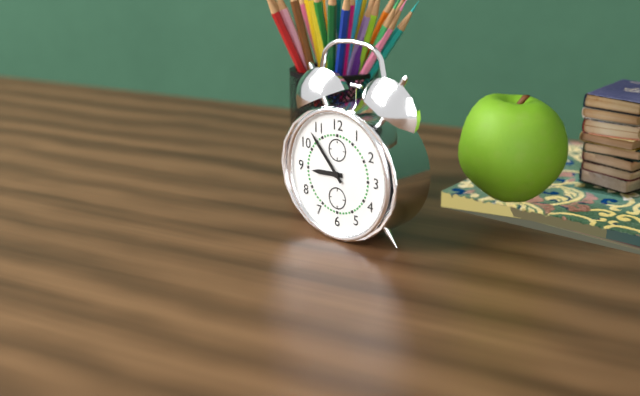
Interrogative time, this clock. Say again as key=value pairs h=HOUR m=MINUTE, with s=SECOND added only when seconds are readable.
h=8 m=53
